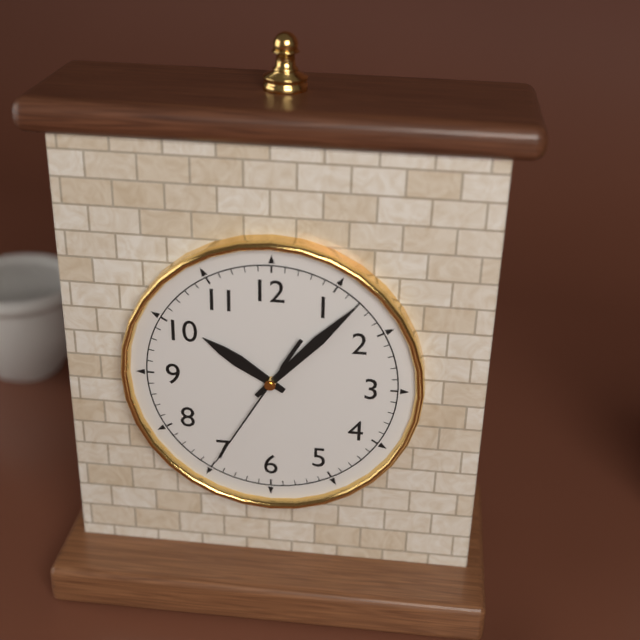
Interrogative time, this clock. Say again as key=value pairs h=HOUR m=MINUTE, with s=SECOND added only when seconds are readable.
h=10 m=7 s=35
